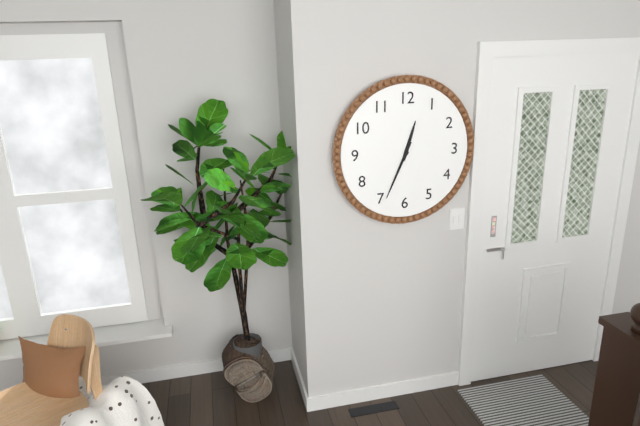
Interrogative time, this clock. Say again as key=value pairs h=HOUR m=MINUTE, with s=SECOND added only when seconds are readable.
h=12 m=34
